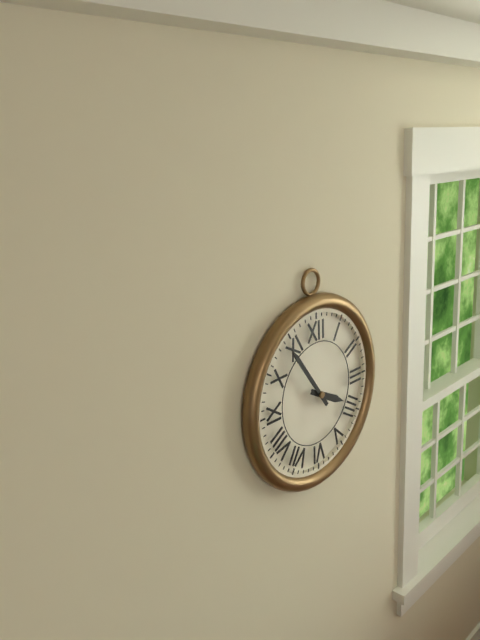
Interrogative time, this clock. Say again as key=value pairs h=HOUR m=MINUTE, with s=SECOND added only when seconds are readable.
h=3 m=54
